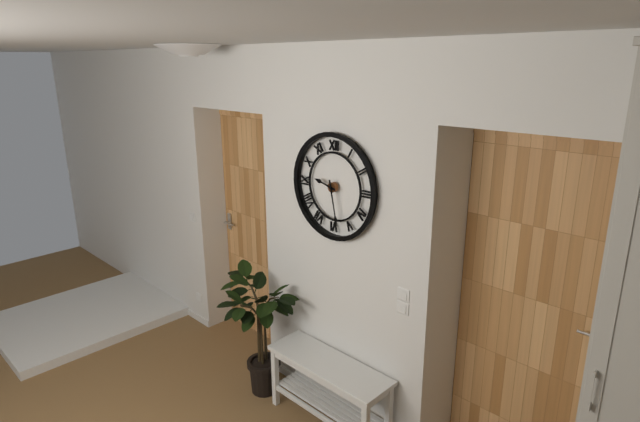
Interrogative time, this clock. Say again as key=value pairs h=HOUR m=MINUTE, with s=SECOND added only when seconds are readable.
h=9 m=28
